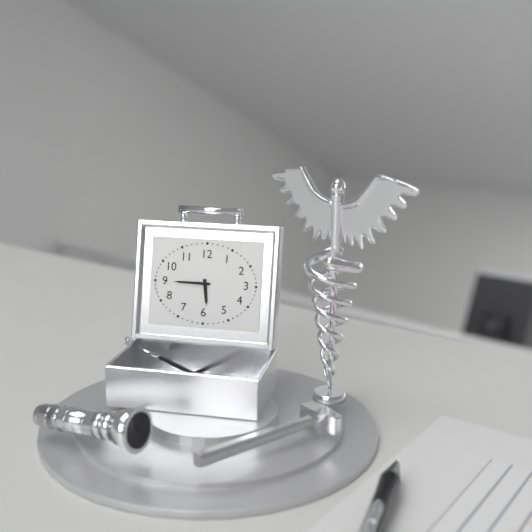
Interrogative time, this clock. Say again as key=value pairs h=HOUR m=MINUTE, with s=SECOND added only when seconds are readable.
h=5 m=45
